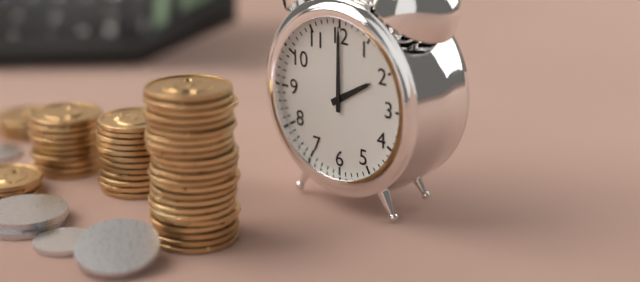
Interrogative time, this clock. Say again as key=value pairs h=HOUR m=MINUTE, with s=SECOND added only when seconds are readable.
h=2 m=0
